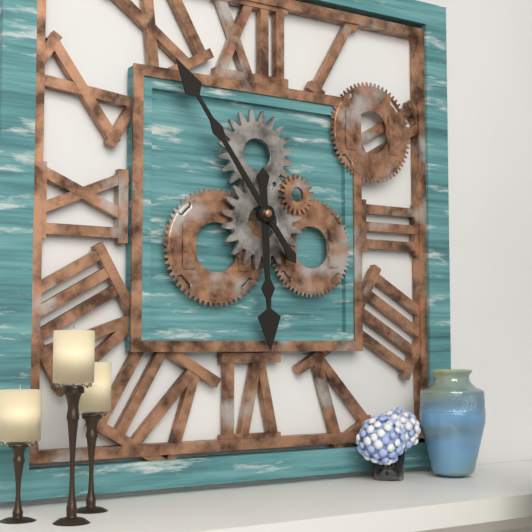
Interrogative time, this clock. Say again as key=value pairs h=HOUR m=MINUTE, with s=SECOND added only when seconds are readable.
h=5 m=54
